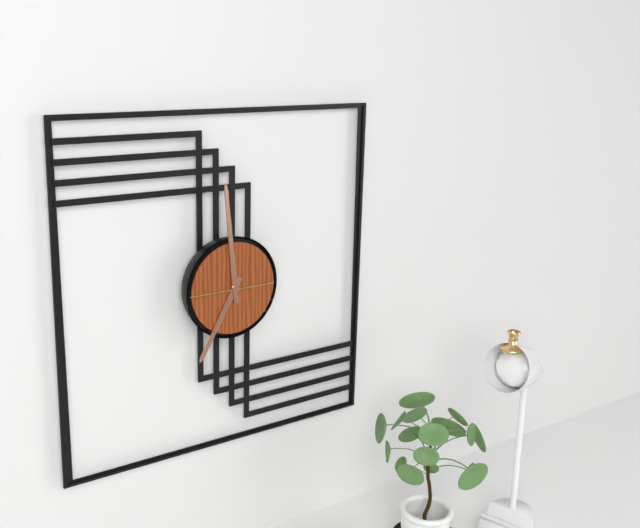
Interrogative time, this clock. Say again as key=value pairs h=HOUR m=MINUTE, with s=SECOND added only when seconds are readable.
h=6 m=59 s=45
